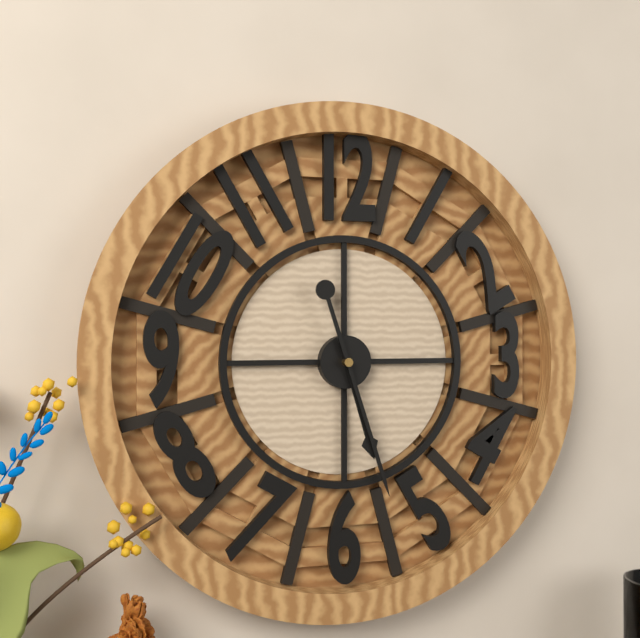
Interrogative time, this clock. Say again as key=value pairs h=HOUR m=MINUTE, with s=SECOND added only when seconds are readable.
h=5 m=27
